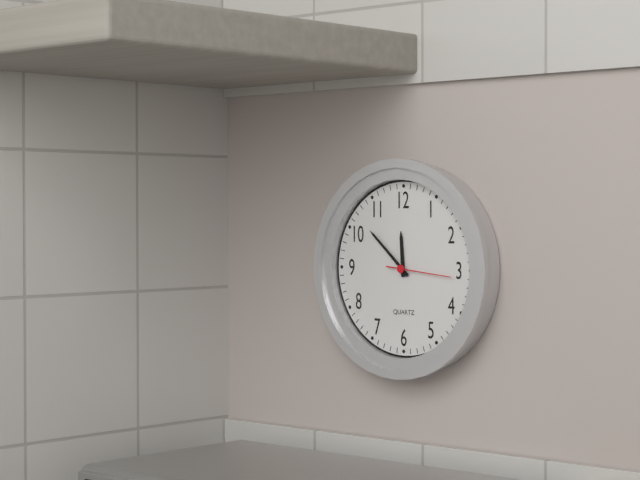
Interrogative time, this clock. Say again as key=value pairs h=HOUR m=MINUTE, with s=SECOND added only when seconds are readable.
h=11 m=52 s=16
